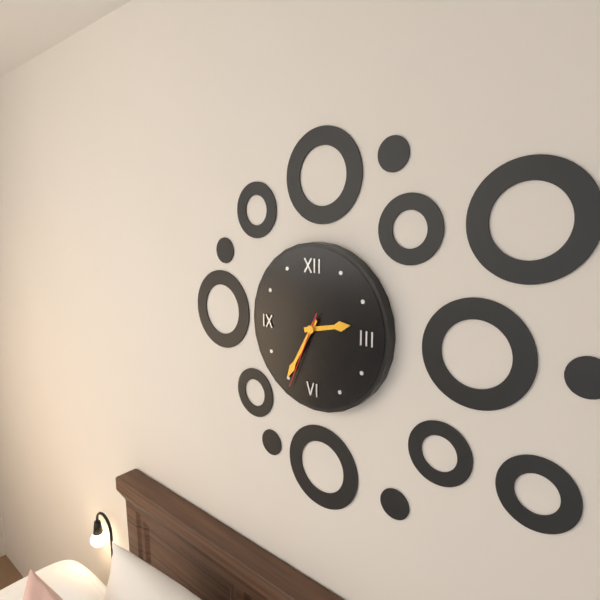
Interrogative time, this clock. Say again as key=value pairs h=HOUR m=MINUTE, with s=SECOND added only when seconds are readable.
h=2 m=35 s=34
